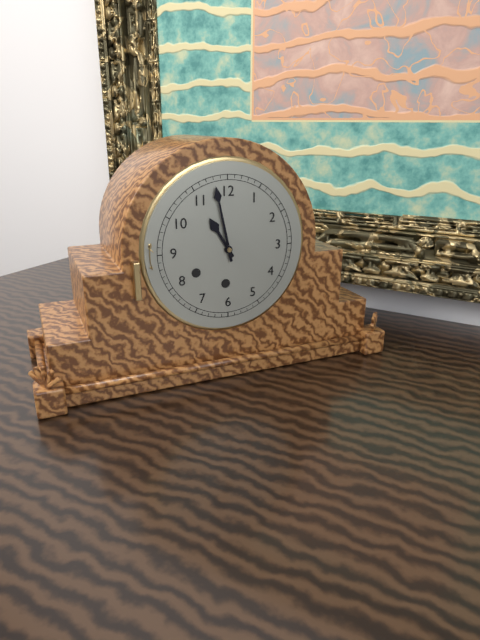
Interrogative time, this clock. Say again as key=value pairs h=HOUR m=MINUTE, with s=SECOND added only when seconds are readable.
h=10 m=58
